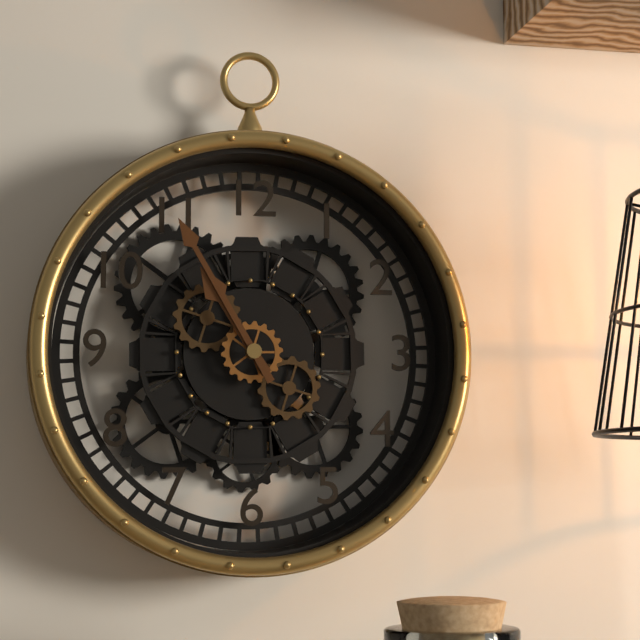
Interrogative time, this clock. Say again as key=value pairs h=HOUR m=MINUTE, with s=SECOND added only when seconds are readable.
h=10 m=55
